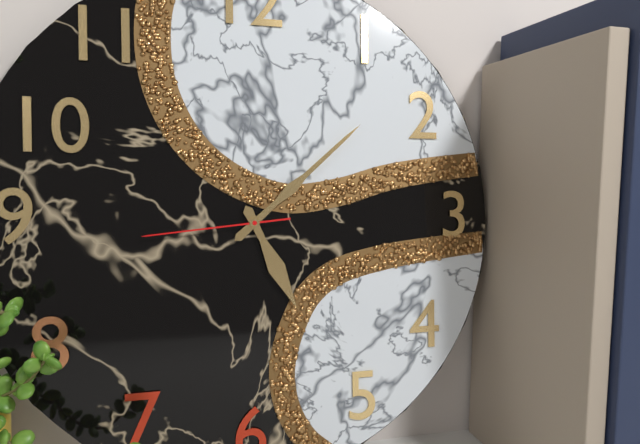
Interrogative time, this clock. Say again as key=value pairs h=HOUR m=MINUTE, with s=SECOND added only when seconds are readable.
h=5 m=8 s=44
